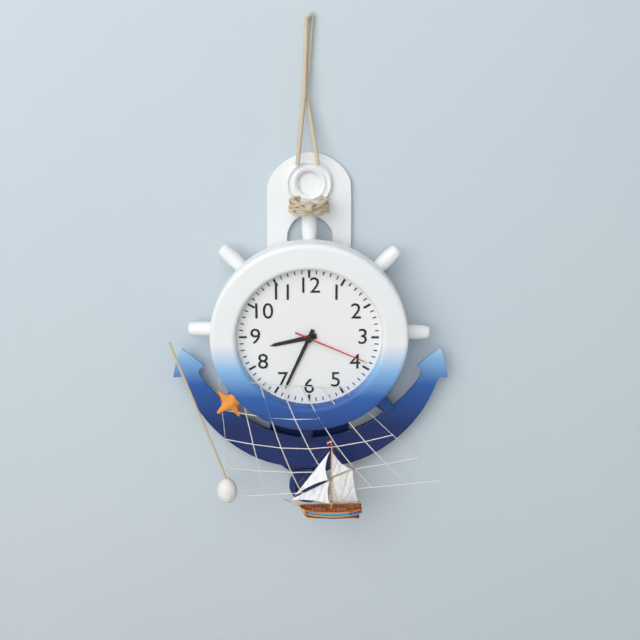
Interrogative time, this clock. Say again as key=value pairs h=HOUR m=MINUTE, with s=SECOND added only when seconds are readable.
h=8 m=34 s=19
